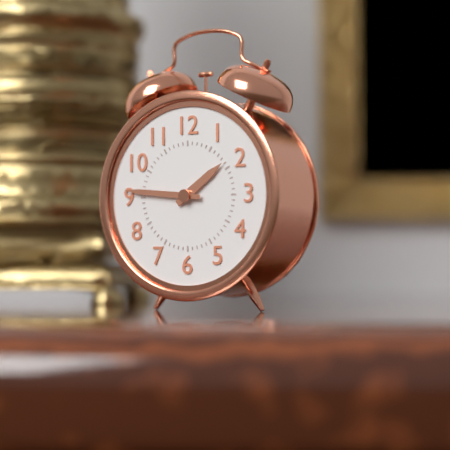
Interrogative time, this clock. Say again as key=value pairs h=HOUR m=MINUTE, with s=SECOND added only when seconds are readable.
h=1 m=46
